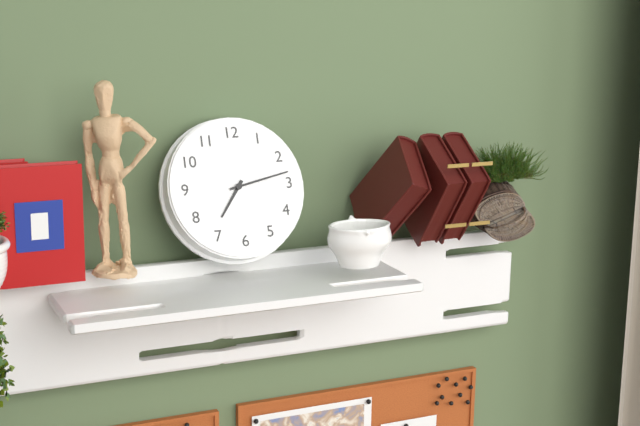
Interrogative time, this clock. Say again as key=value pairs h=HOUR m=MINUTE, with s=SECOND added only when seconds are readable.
h=7 m=13
